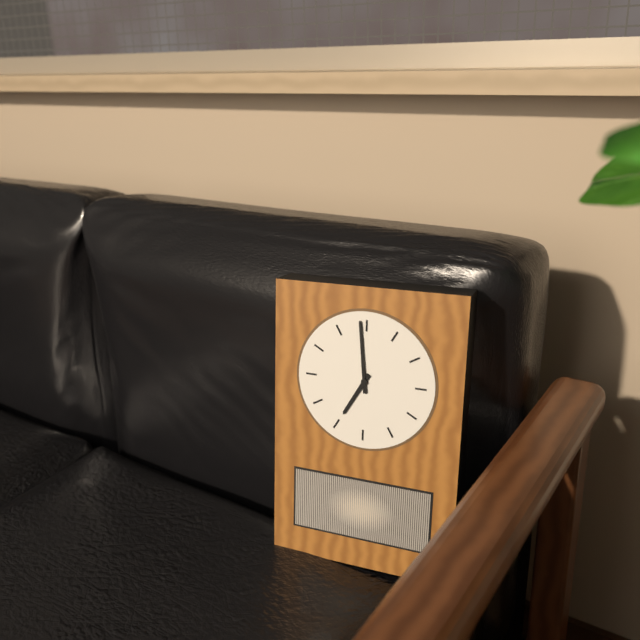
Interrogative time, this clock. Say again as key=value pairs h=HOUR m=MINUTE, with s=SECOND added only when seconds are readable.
h=6 m=59
